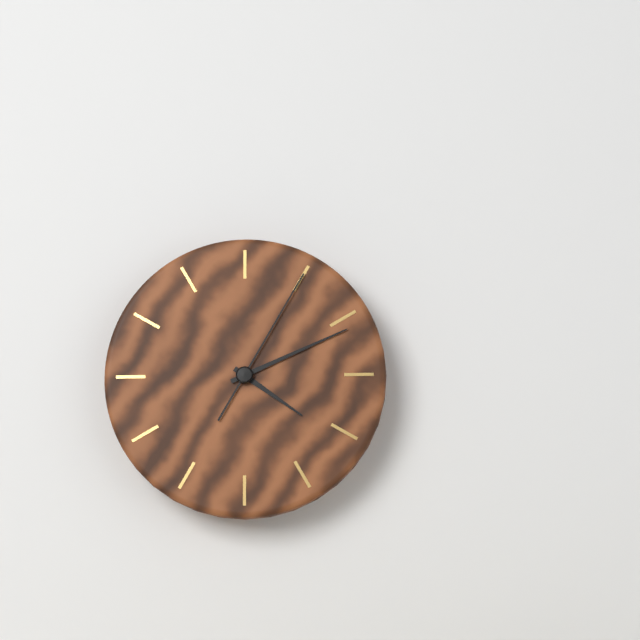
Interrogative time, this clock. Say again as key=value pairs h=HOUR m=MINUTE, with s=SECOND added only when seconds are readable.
h=4 m=11 s=5
